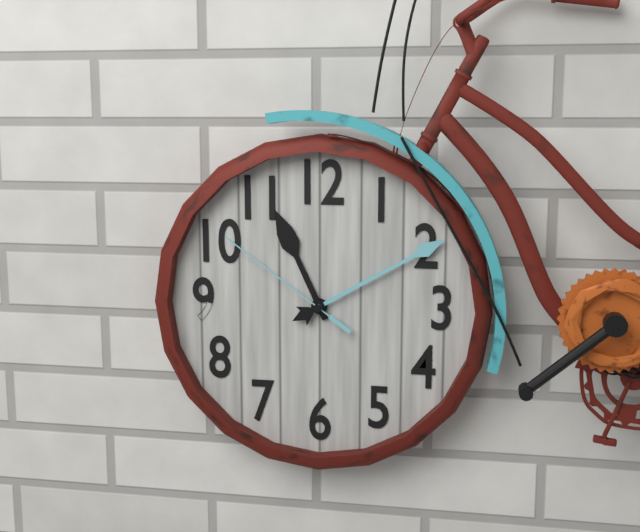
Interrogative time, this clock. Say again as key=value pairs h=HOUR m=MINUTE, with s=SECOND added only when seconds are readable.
h=11 m=10 s=51
